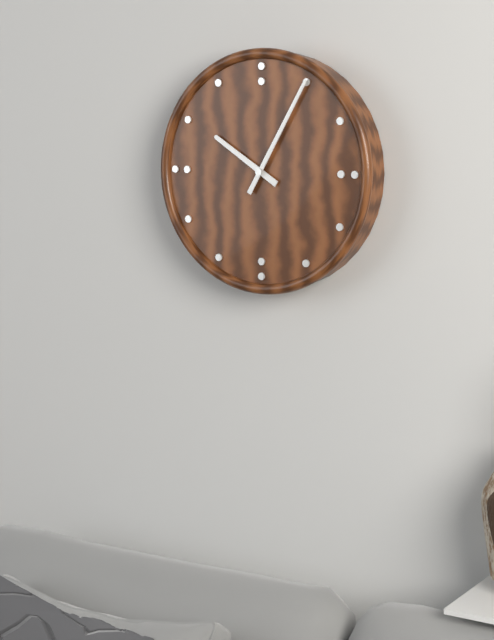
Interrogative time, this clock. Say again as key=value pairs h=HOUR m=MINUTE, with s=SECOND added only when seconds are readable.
h=10 m=5
